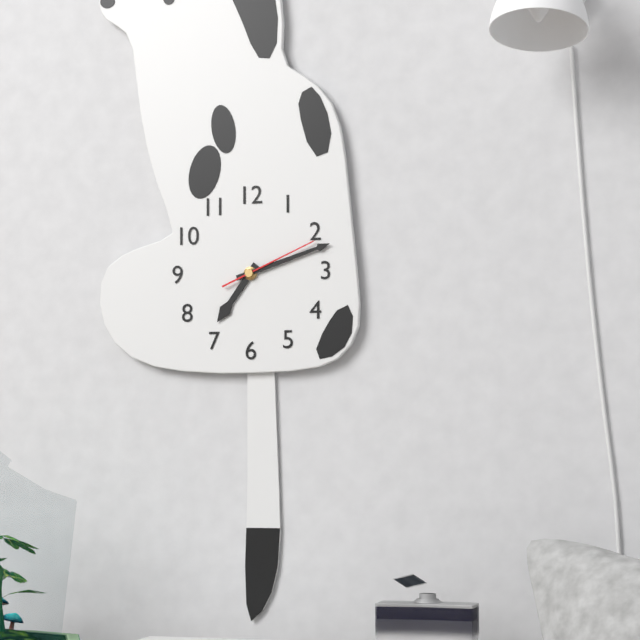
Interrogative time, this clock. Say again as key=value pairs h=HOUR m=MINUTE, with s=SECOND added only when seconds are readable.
h=7 m=12 s=11
